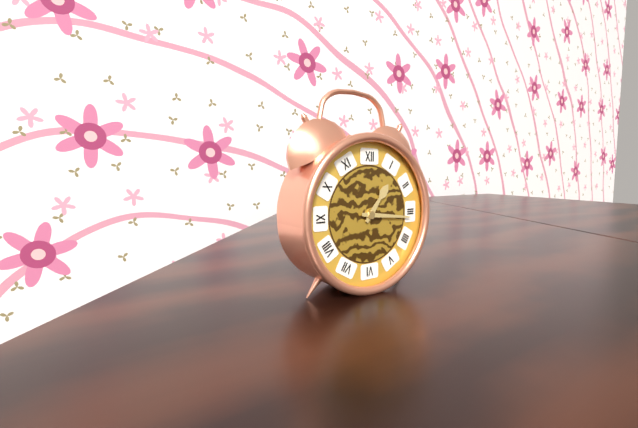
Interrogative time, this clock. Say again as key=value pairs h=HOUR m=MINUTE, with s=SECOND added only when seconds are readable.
h=1 m=16
